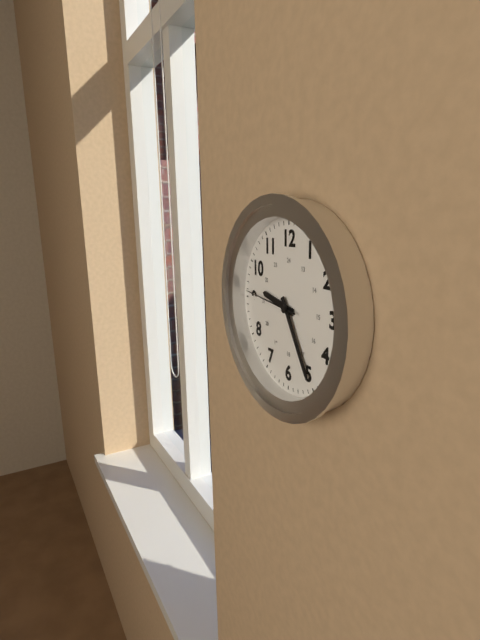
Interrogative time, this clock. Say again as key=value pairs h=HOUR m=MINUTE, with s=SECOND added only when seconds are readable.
h=9 m=25 s=46
